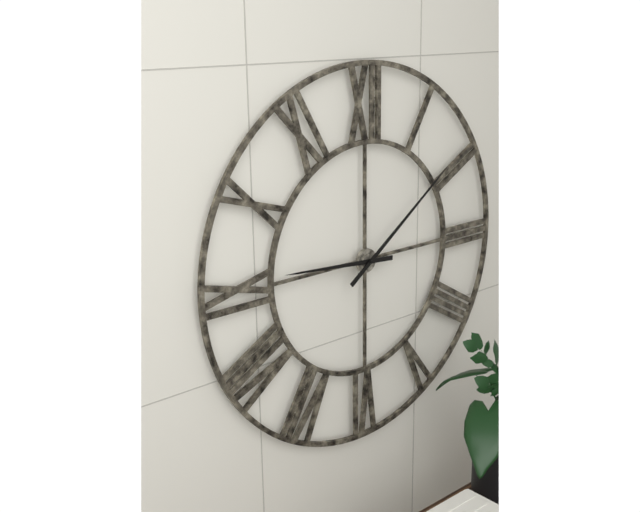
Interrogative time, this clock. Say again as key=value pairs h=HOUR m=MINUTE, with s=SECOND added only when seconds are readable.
h=9 m=9
